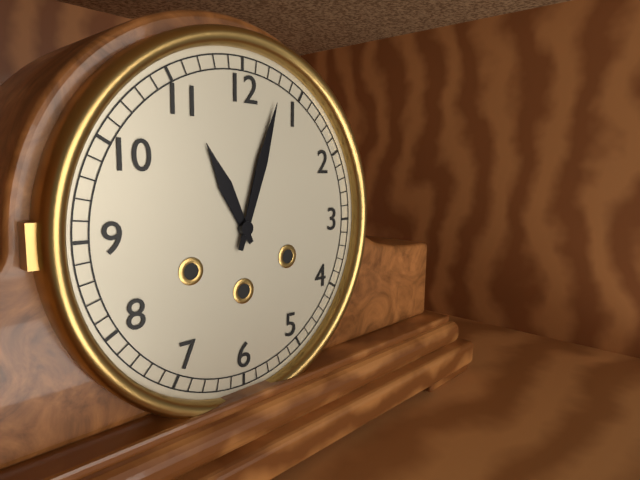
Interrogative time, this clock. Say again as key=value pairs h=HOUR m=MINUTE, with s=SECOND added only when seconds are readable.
h=11 m=3
